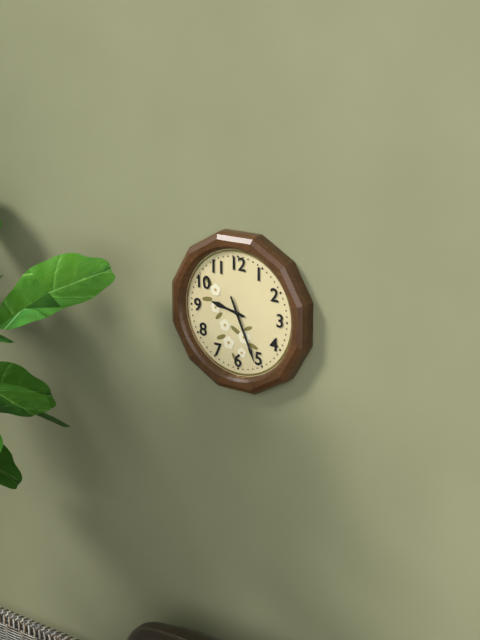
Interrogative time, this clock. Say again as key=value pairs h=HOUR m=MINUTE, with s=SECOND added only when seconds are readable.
h=9 m=26
